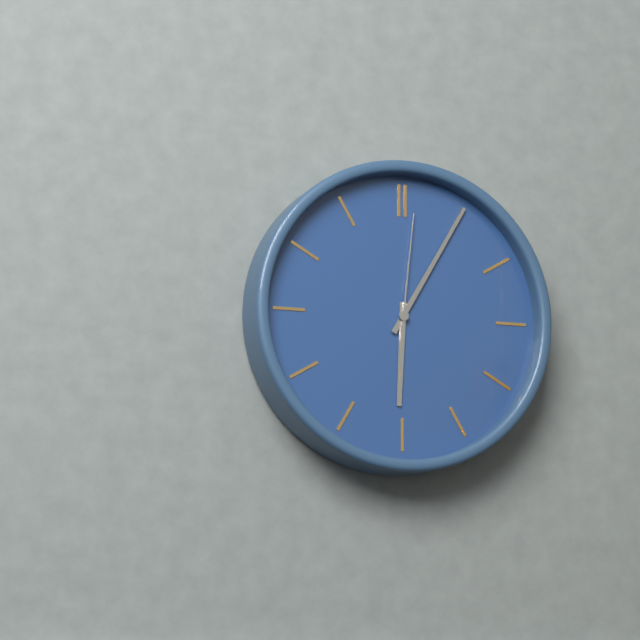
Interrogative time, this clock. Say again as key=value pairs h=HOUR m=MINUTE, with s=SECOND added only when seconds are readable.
h=6 m=5 s=1
